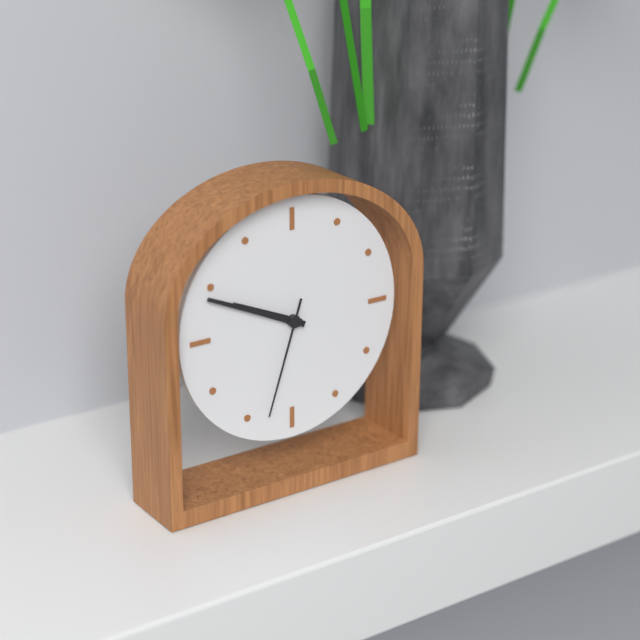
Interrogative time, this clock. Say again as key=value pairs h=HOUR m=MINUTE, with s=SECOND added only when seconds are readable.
h=9 m=49 s=33
